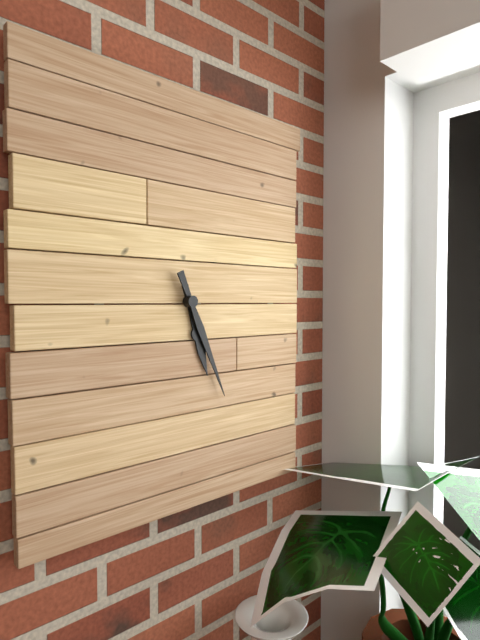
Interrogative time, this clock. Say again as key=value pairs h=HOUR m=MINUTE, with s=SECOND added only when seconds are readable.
h=5 m=26
